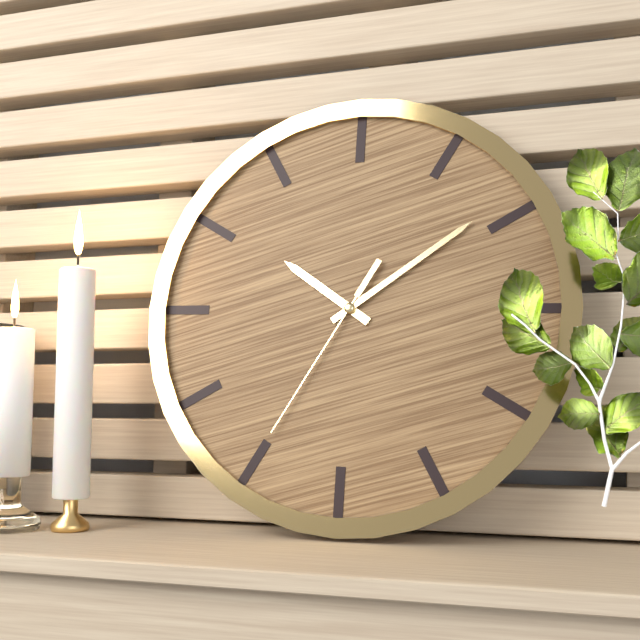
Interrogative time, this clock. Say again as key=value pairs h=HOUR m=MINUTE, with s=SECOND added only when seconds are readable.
h=10 m=9 s=35
